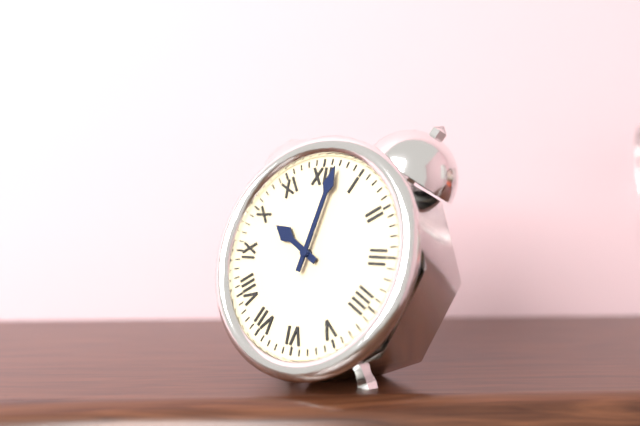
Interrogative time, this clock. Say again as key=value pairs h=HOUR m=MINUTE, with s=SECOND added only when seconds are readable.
h=10 m=2
